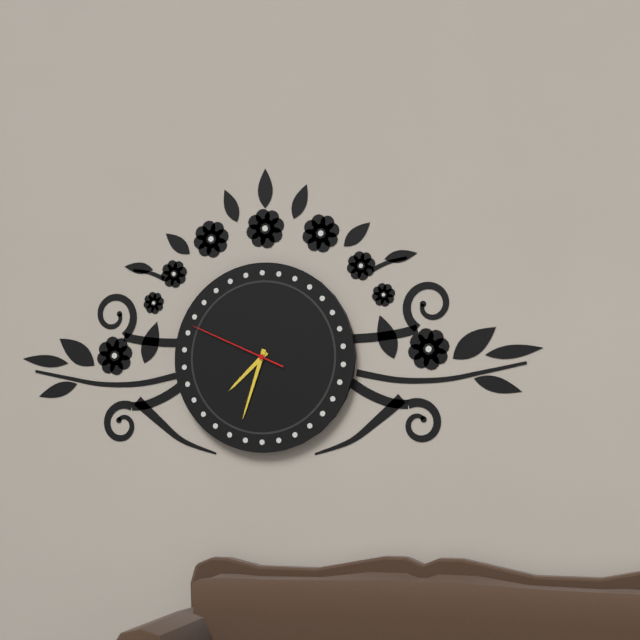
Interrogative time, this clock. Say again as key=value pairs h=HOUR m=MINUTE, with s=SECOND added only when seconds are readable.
h=7 m=33 s=49
